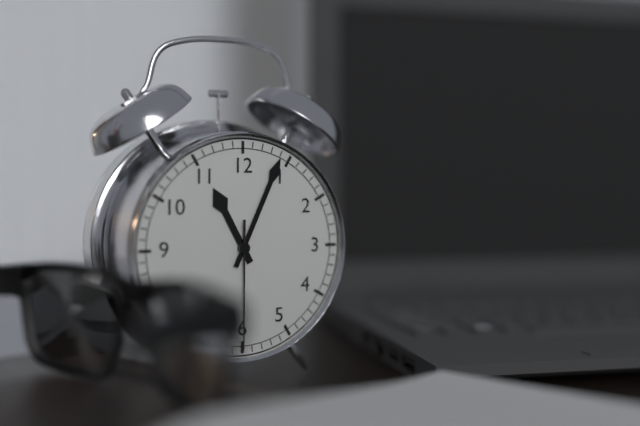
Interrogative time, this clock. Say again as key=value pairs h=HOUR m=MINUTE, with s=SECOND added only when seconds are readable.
h=11 m=4
